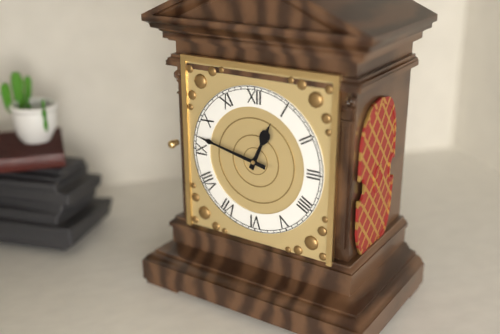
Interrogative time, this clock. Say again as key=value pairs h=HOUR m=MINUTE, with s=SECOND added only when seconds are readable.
h=12 m=47
